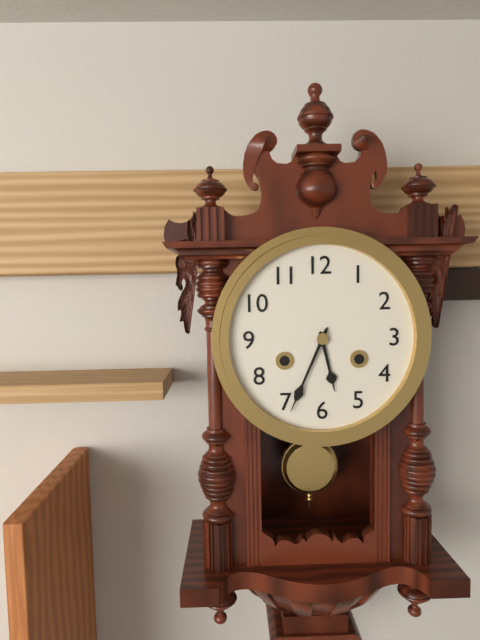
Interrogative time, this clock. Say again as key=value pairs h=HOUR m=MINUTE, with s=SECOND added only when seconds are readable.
h=5 m=34
